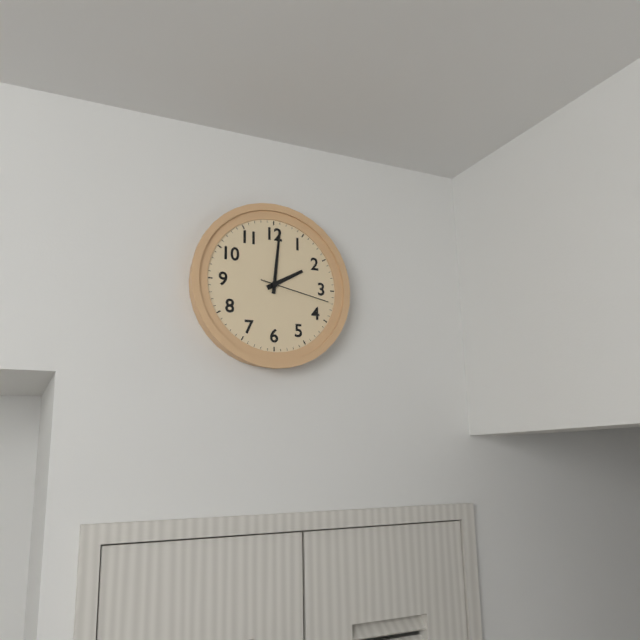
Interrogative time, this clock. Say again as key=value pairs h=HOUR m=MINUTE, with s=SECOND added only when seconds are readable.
h=2 m=1 s=17
